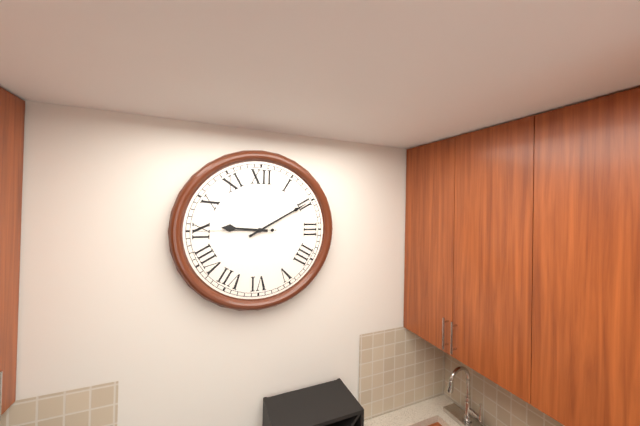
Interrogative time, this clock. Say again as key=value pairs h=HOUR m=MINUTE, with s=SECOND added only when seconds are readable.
h=9 m=10 s=45
